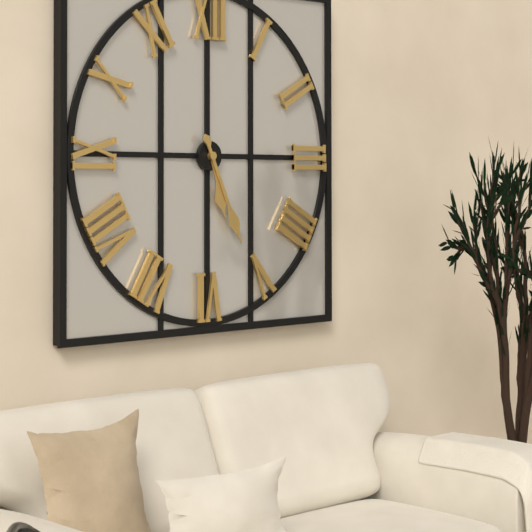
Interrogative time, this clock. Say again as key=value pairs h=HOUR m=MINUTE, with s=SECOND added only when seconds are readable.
h=5 m=26
